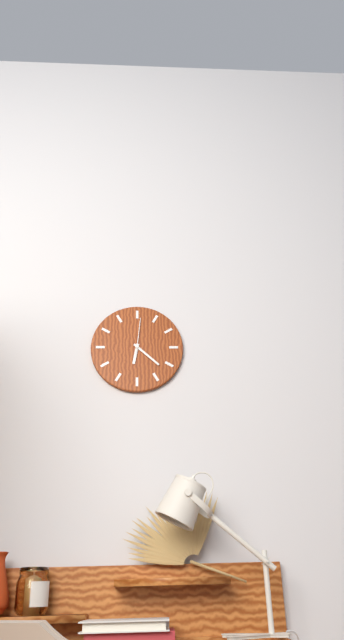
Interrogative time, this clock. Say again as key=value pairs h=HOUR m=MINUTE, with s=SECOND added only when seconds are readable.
h=6 m=22
